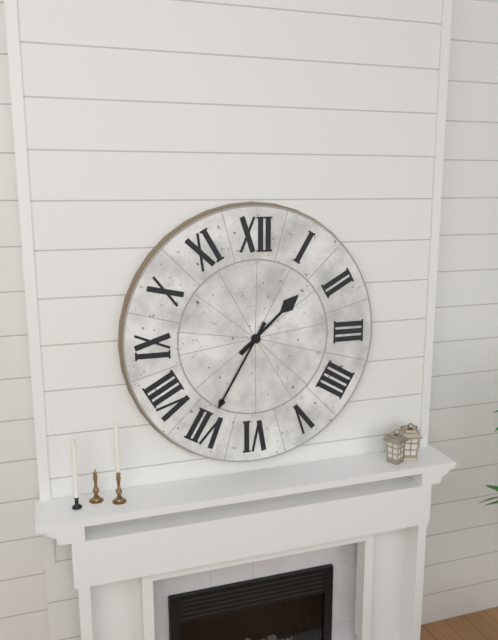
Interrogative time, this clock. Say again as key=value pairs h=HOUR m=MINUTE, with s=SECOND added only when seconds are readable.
h=1 m=35
